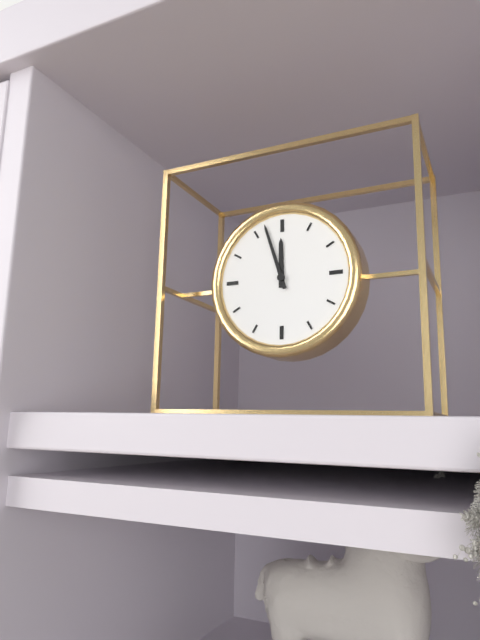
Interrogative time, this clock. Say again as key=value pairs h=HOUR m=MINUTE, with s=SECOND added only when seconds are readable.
h=11 m=57
